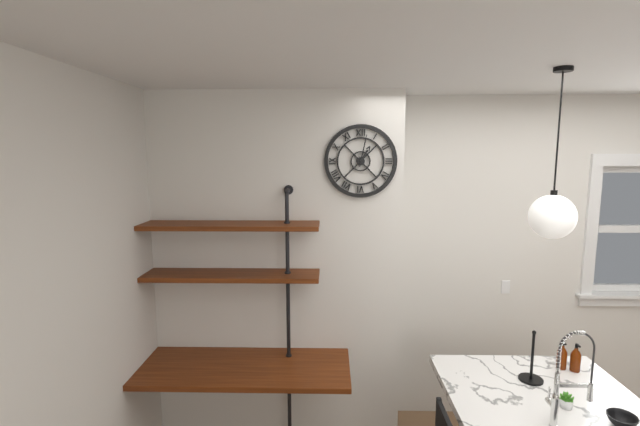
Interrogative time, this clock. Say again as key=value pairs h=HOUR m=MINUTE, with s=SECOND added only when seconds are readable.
h=1 m=2
